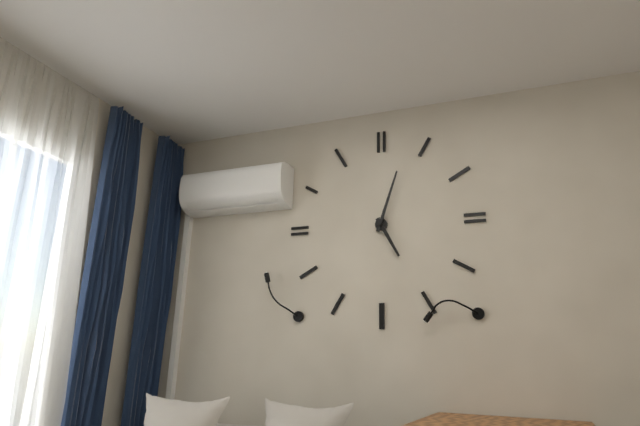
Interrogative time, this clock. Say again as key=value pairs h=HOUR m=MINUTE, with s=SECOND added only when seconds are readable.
h=5 m=3
